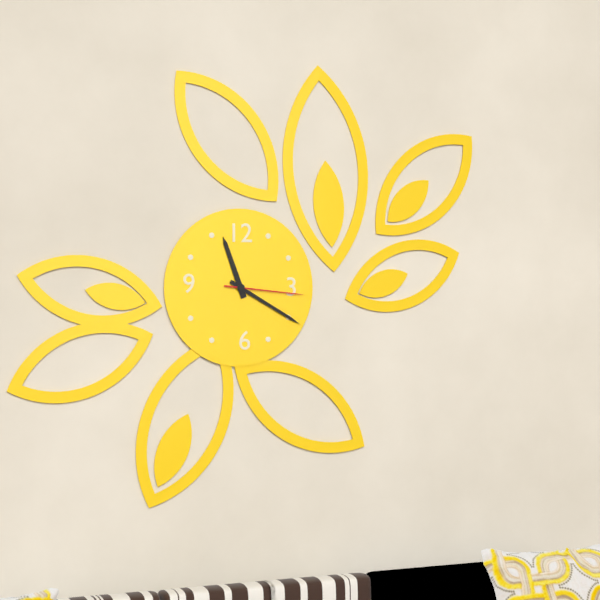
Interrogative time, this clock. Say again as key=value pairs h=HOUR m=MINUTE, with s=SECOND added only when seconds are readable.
h=11 m=20 s=16
